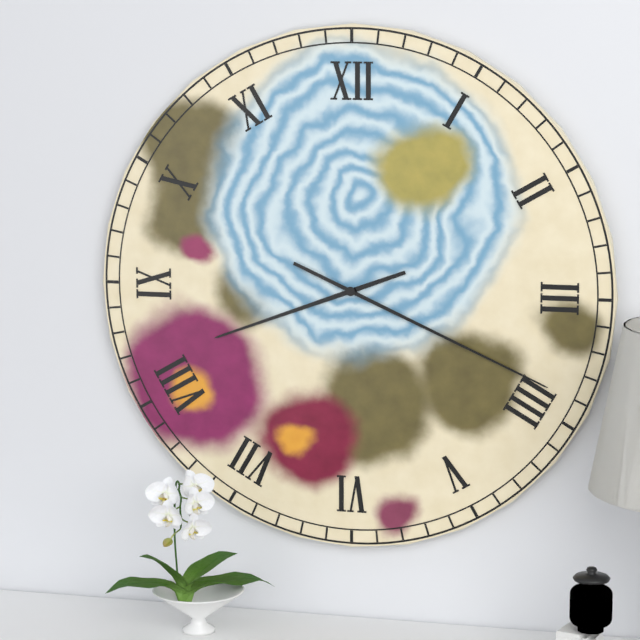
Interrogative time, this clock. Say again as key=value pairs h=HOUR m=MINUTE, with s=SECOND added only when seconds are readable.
h=8 m=19
